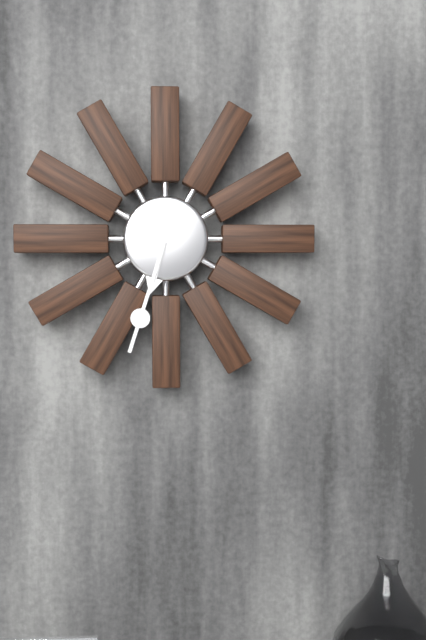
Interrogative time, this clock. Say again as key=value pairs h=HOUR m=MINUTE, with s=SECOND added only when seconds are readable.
h=6 m=33
